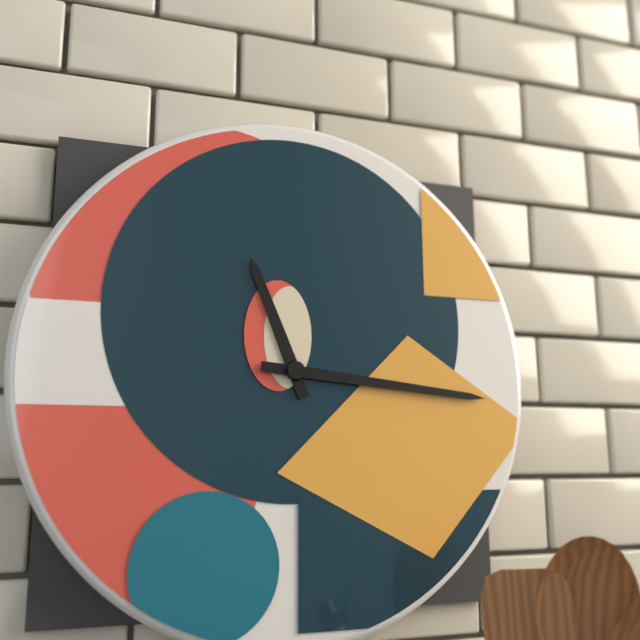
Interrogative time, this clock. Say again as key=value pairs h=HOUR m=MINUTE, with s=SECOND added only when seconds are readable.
h=11 m=16
